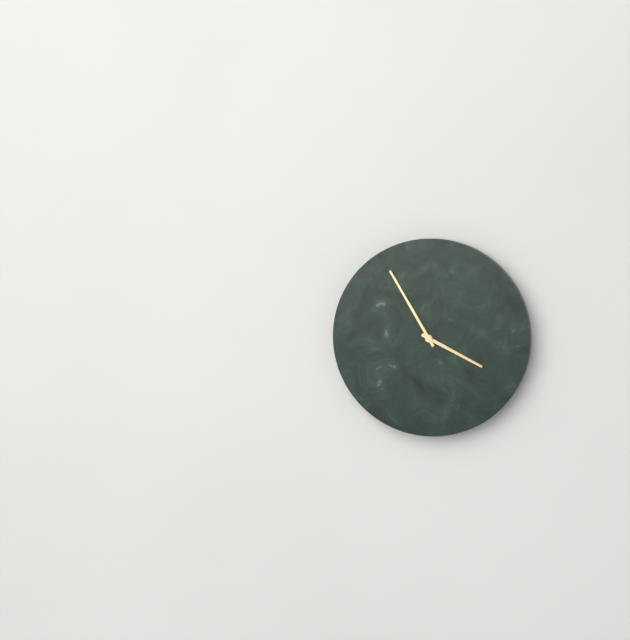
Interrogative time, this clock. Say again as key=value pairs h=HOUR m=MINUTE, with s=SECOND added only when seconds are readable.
h=3 m=55
